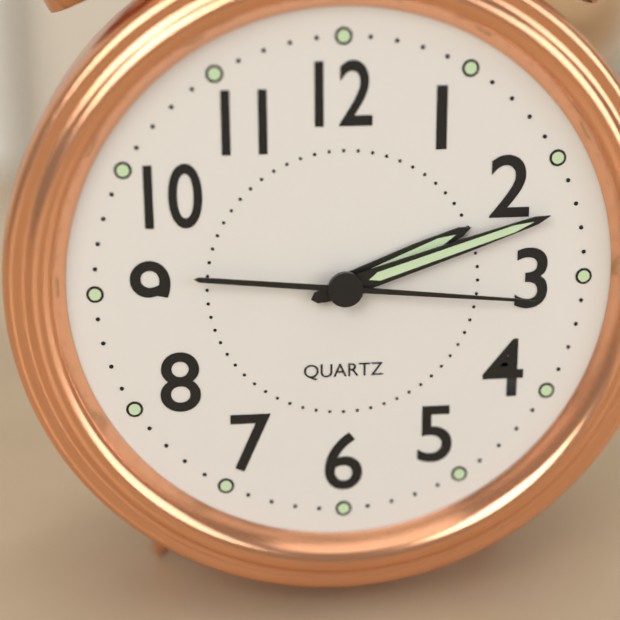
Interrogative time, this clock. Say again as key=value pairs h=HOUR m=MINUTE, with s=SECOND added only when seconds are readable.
h=2 m=12 s=16
